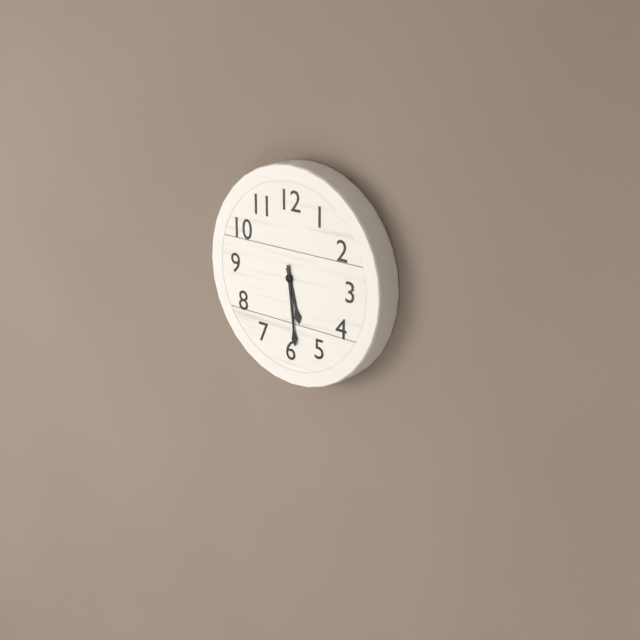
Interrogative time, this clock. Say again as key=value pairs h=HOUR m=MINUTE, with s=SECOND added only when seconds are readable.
h=5 m=29
